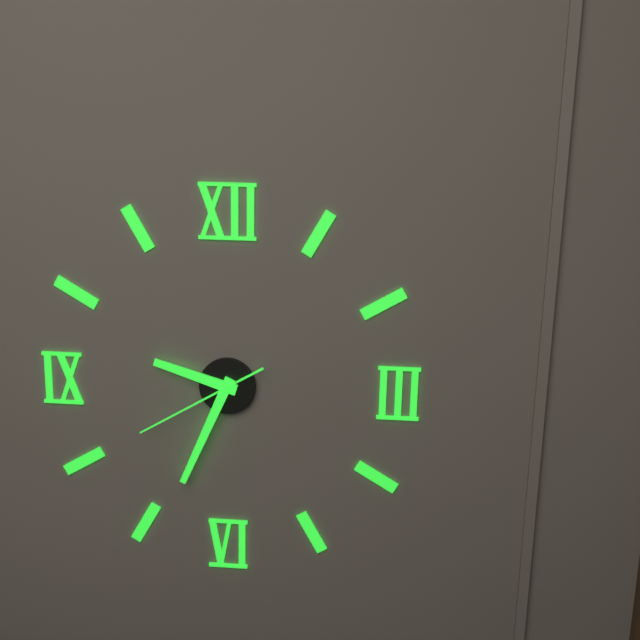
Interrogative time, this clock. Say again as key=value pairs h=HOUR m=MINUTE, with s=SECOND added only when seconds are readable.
h=9 m=34 s=40
